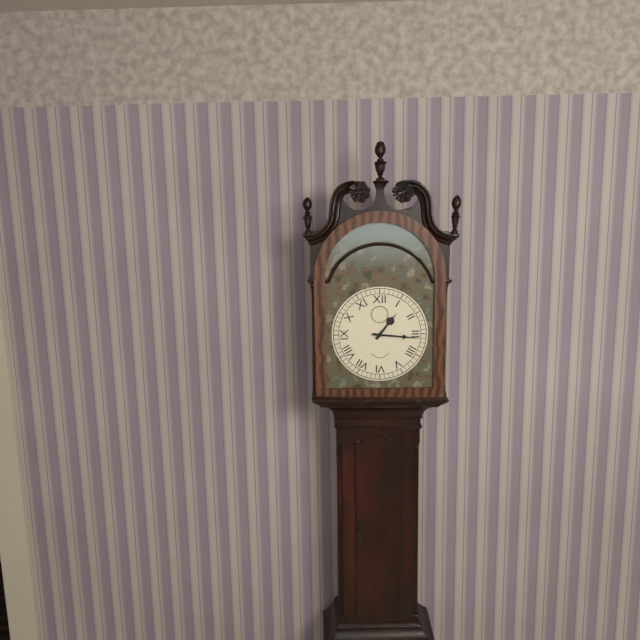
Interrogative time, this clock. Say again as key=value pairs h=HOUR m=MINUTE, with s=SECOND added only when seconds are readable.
h=1 m=16
